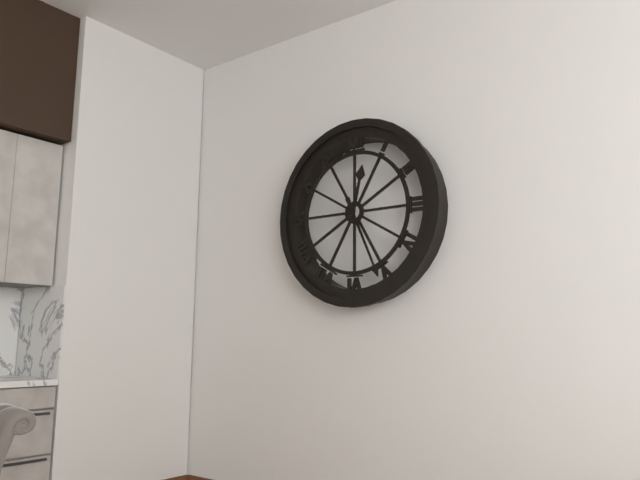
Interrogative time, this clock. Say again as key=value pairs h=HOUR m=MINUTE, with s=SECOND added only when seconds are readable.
h=12 m=26
